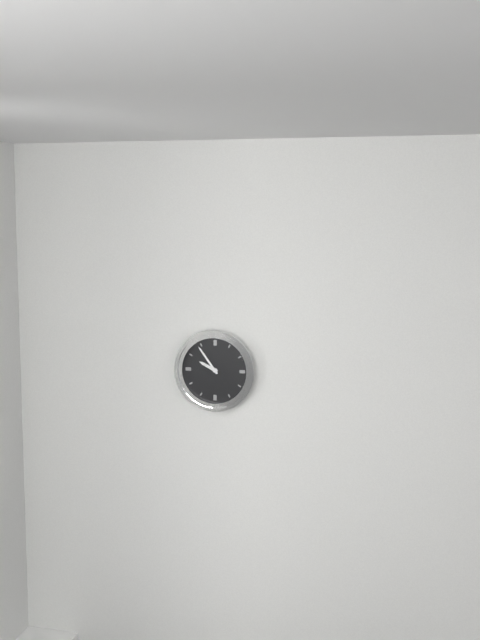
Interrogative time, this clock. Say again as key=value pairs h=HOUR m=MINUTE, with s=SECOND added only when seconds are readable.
h=9 m=54
